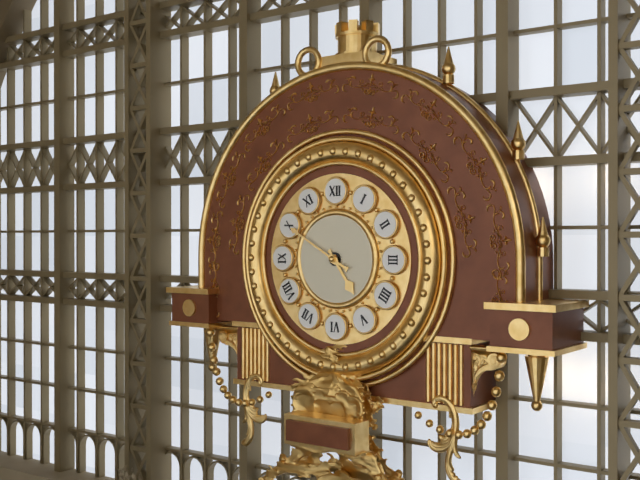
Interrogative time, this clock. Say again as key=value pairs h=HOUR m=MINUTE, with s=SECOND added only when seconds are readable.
h=4 m=50
